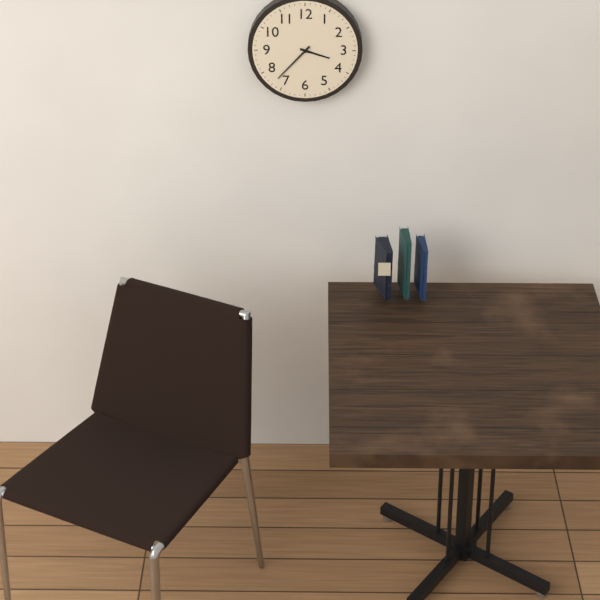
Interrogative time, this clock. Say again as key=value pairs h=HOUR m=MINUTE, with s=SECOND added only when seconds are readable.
h=3 m=37
